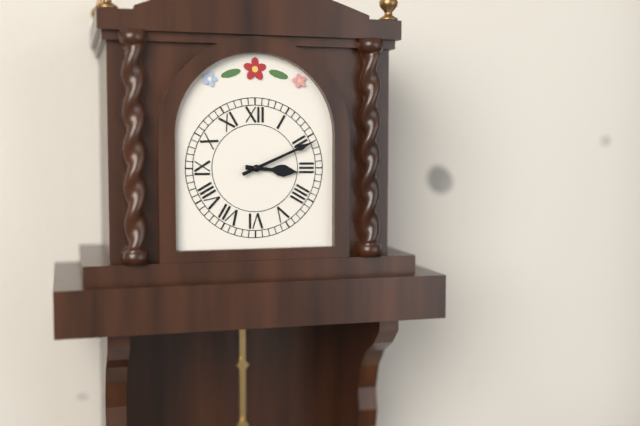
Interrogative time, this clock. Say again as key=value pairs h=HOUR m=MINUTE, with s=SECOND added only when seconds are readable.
h=3 m=11
